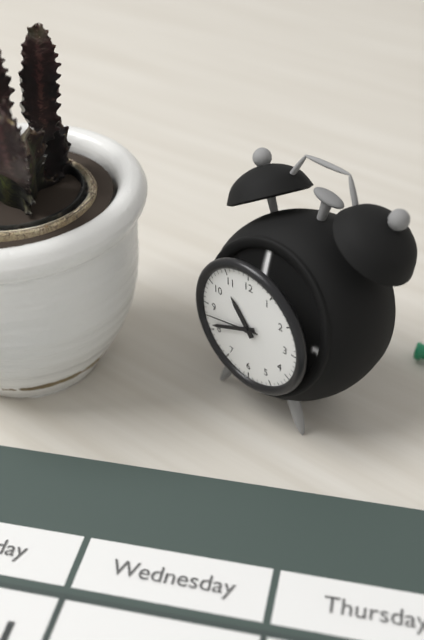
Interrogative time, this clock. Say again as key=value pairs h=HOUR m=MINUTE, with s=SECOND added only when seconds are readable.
h=10 m=41 s=43
